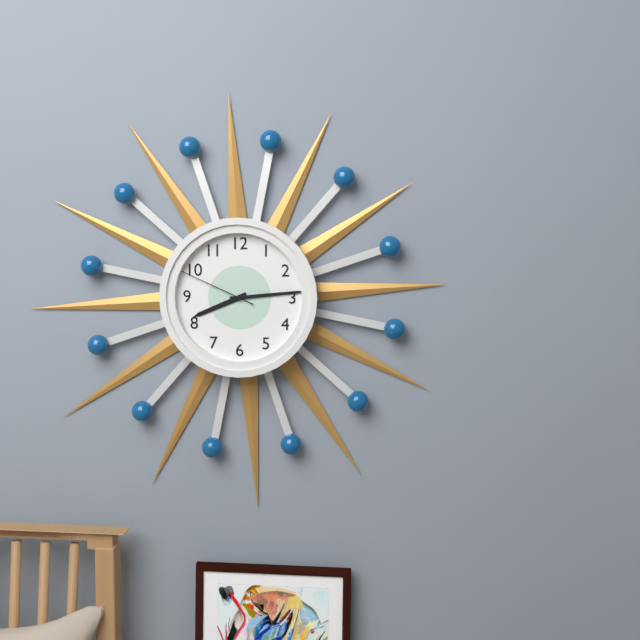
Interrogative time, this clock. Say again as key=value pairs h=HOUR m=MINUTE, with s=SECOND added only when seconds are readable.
h=8 m=14 s=49
